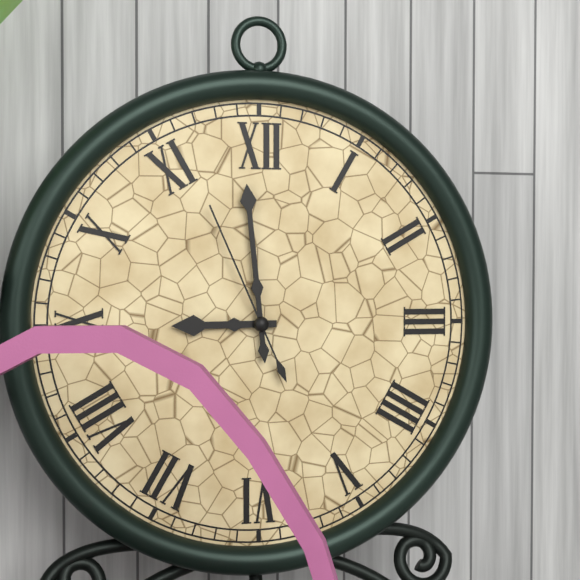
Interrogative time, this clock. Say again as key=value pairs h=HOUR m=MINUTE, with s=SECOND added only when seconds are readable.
h=8 m=59 s=56
